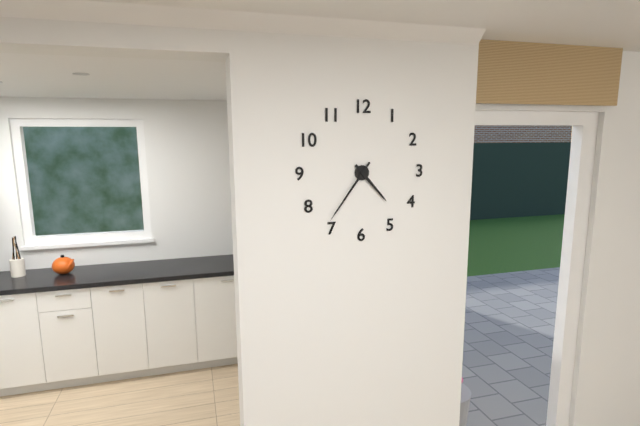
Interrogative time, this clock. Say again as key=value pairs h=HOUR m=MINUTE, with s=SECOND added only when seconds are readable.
h=4 m=36
